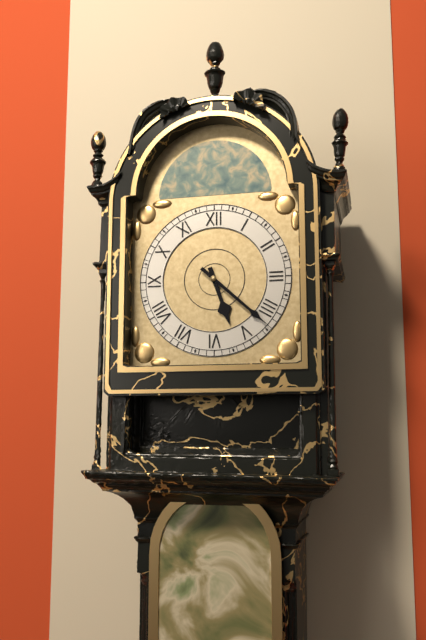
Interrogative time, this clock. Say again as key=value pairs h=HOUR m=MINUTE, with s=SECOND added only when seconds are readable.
h=5 m=22
